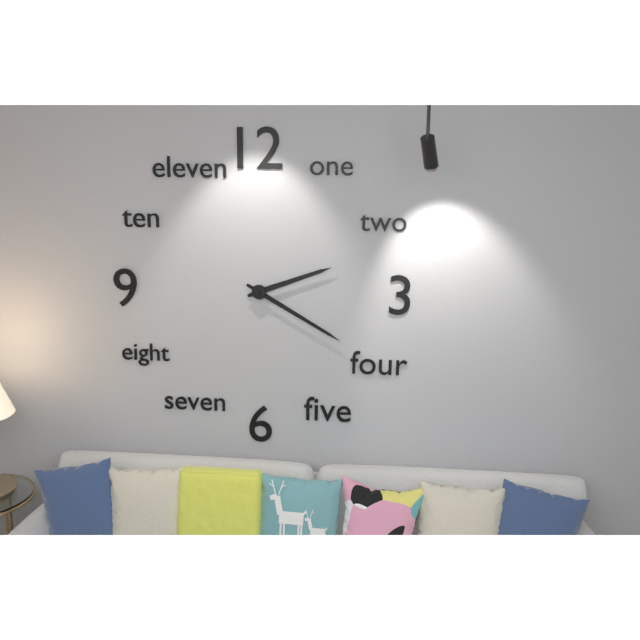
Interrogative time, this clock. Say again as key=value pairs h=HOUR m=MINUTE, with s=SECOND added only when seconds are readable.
h=2 m=20
